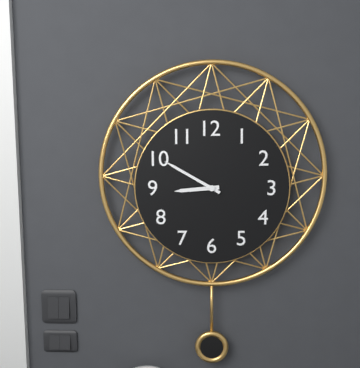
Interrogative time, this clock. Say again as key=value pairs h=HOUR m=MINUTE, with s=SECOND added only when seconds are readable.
h=8 m=50
